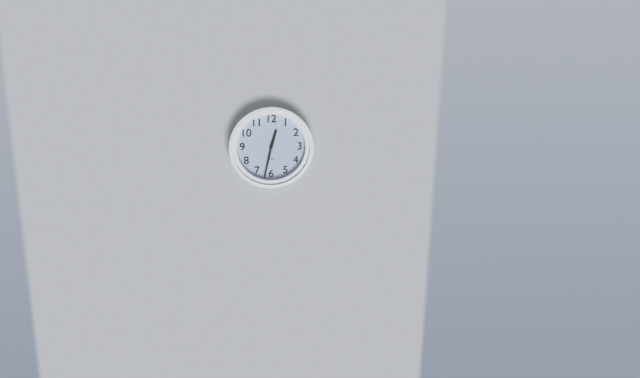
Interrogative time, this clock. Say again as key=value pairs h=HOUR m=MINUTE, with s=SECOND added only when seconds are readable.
h=12 m=32
